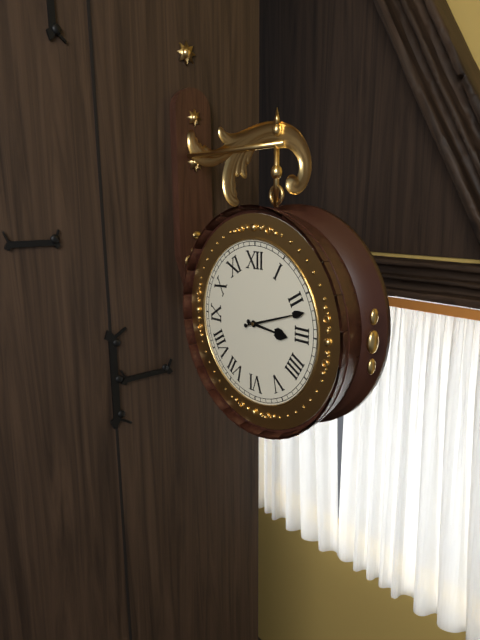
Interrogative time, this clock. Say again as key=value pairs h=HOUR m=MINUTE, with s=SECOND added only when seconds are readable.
h=3 m=12
